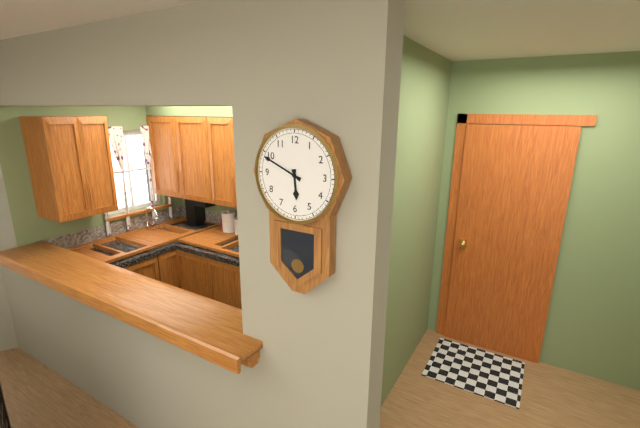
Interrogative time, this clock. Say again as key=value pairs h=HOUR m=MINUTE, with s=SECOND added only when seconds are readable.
h=5 m=49
